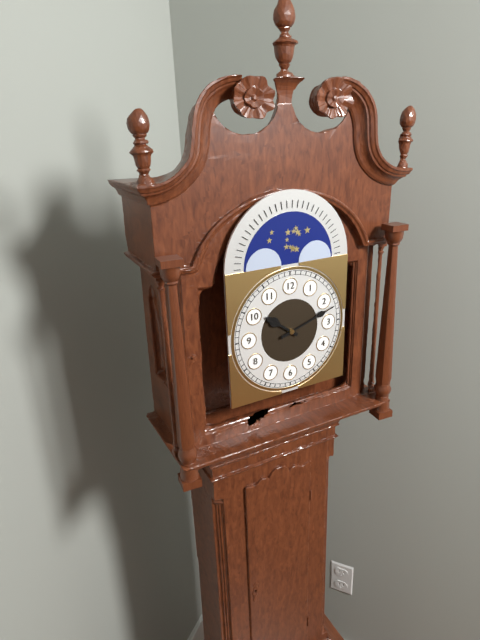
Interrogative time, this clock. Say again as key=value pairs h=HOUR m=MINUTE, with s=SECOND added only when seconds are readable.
h=10 m=12
